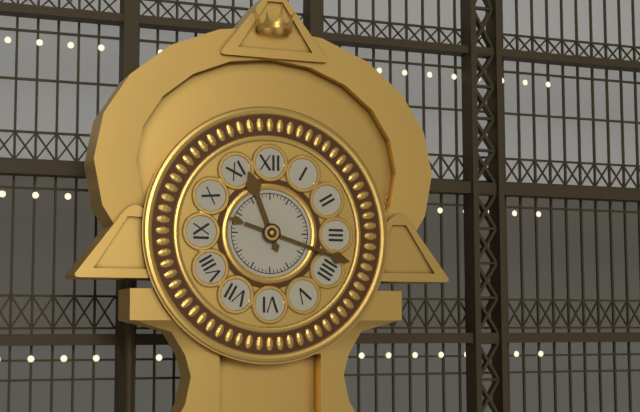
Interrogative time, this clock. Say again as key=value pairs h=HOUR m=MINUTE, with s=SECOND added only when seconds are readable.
h=11 m=18
